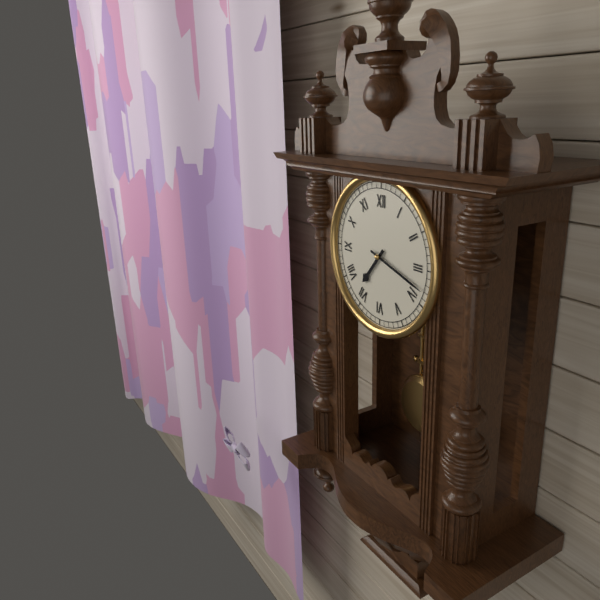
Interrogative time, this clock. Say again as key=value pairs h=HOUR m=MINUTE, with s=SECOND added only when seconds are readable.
h=7 m=18
